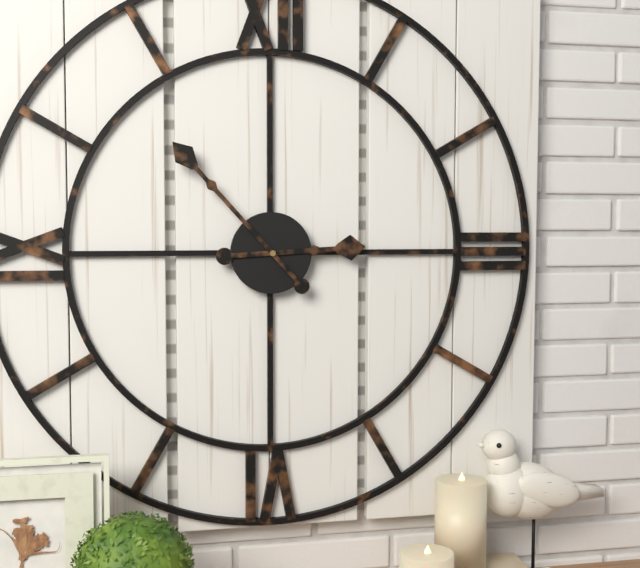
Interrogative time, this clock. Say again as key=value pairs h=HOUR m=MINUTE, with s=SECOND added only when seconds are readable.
h=2 m=53
